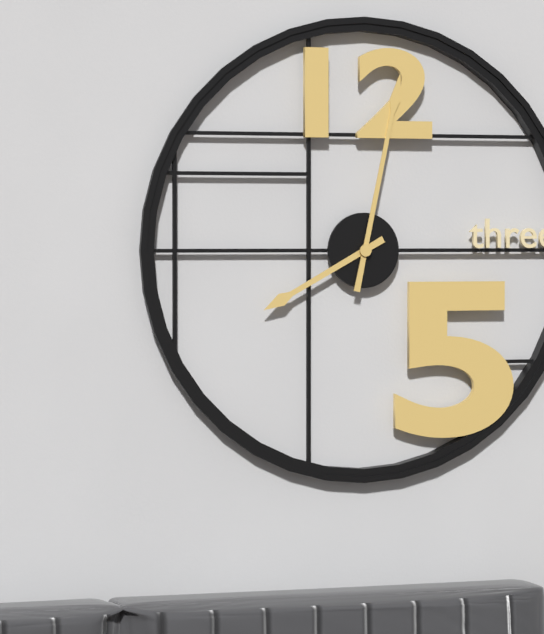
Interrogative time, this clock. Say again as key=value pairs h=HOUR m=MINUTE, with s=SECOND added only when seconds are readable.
h=8 m=2
